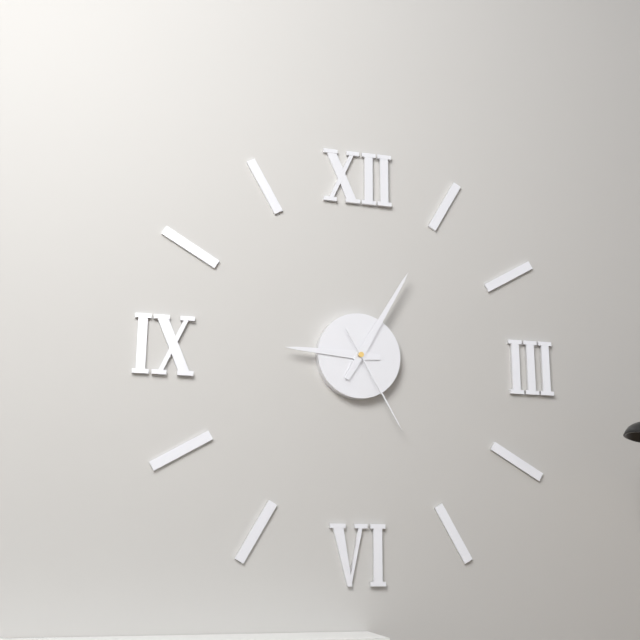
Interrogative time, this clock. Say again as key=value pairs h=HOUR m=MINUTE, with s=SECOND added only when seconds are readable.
h=9 m=5 s=25
